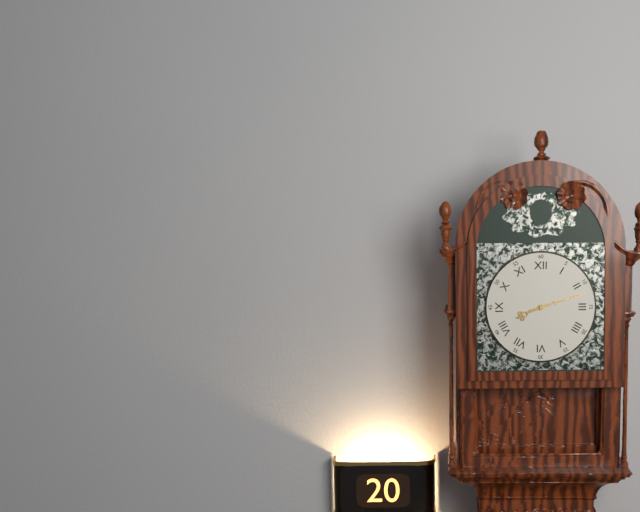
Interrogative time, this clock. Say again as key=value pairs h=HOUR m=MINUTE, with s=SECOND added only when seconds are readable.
h=8 m=12
